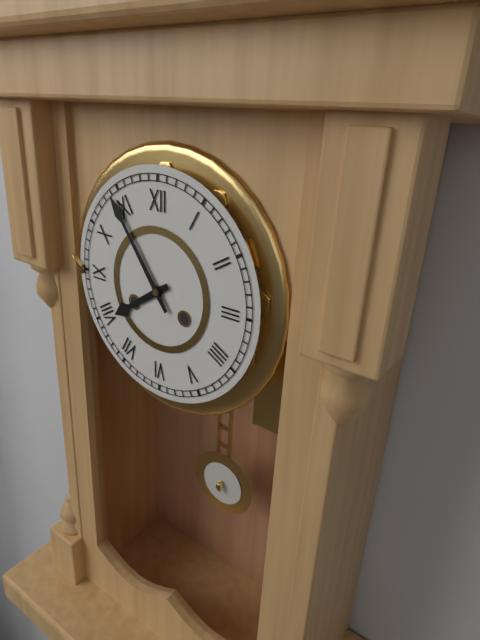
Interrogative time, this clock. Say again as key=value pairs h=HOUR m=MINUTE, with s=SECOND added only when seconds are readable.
h=7 m=54
